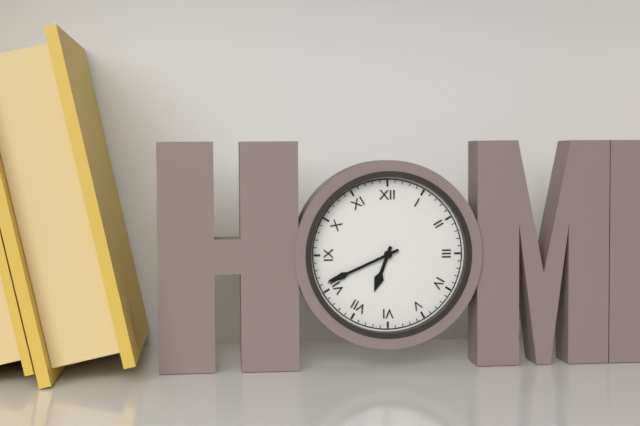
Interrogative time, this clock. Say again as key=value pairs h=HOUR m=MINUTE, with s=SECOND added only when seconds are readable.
h=6 m=41
